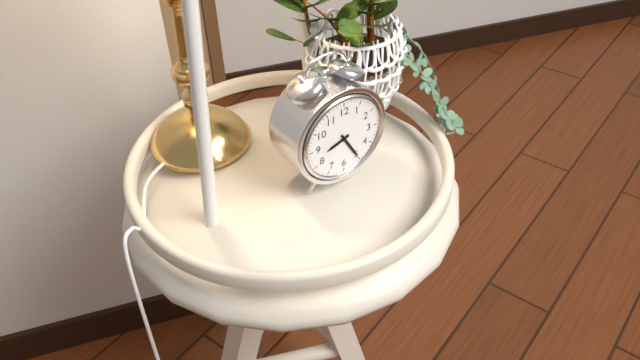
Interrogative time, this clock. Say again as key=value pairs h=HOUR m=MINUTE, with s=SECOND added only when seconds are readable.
h=8 m=25
